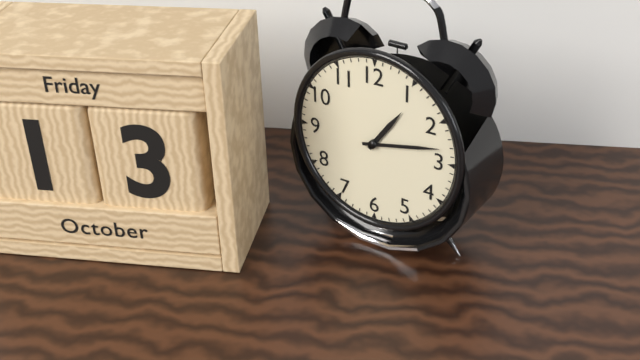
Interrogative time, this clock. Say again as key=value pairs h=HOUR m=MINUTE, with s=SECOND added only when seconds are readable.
h=1 m=13
